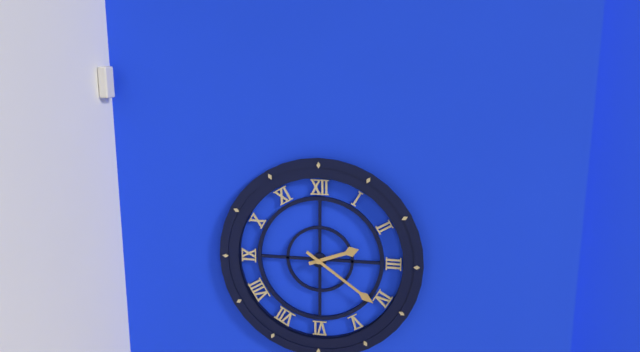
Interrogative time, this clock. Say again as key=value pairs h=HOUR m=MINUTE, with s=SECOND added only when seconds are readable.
h=2 m=21
